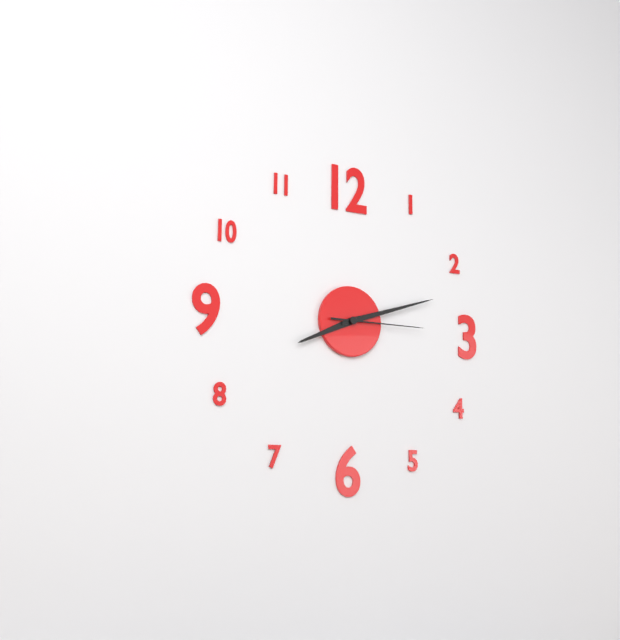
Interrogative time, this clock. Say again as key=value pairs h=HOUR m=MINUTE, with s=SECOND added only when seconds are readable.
h=8 m=12 s=15
